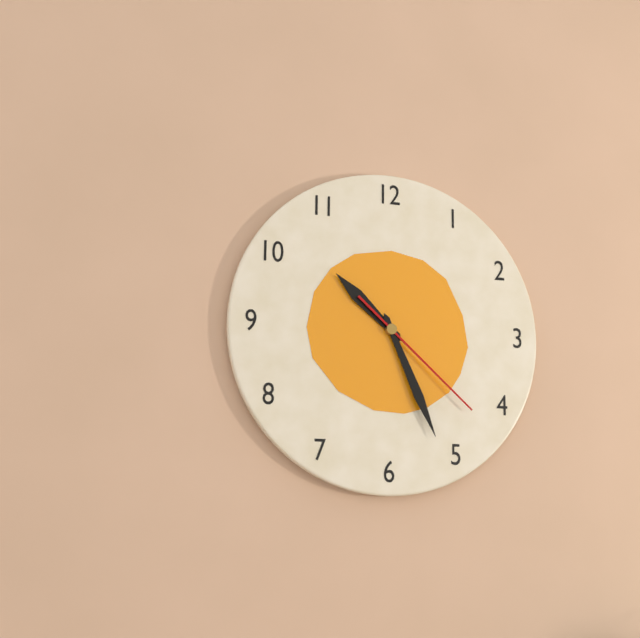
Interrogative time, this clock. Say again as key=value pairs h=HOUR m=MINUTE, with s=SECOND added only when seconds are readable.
h=10 m=26 s=22
